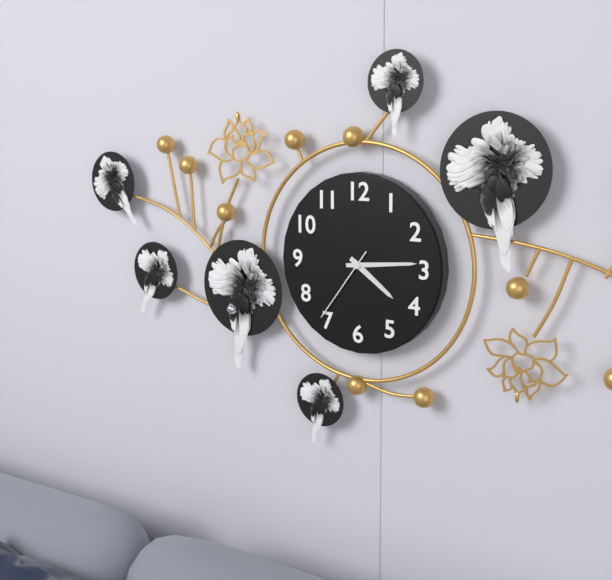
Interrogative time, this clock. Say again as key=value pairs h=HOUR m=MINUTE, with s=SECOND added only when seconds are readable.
h=4 m=14 s=36
